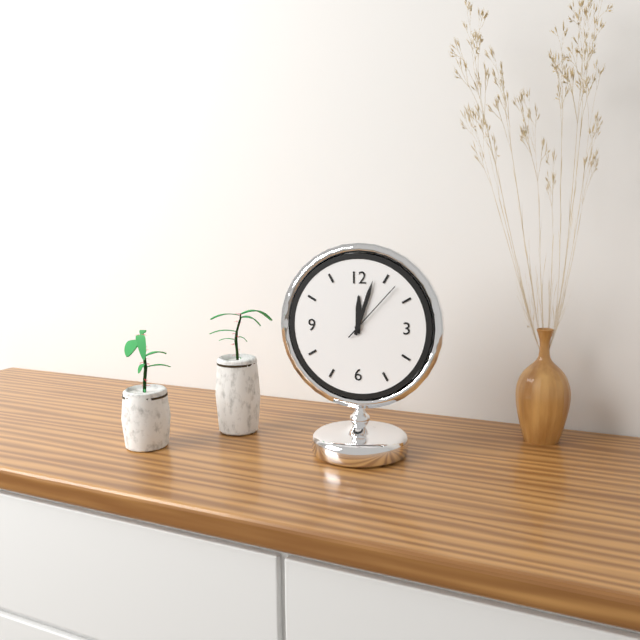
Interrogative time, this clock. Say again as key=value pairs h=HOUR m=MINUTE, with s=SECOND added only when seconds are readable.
h=12 m=3 s=7
